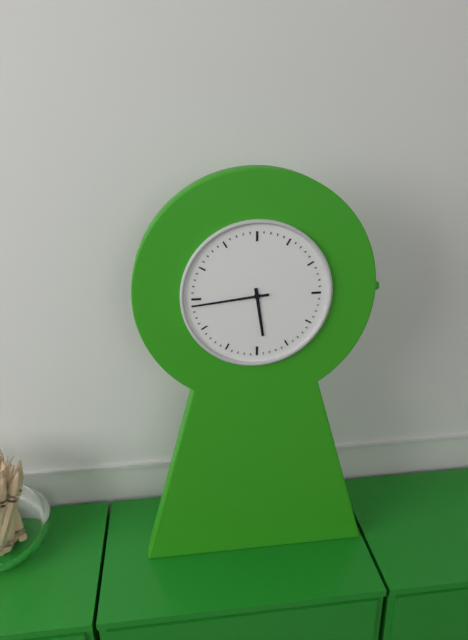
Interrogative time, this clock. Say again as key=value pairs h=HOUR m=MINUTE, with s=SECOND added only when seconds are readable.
h=5 m=44
